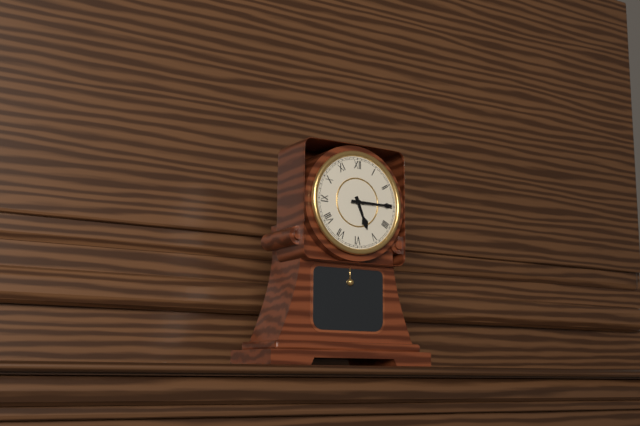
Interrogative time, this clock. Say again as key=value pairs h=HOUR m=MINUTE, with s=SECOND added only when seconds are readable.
h=5 m=15
